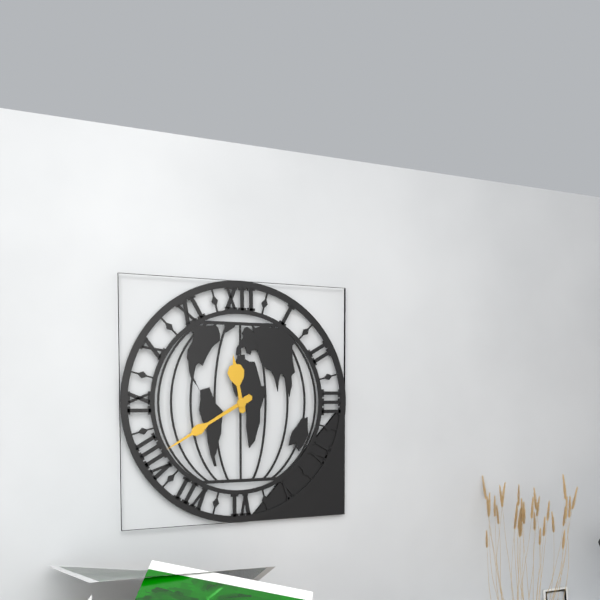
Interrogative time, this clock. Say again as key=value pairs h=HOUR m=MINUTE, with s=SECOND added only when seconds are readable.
h=11 m=40
